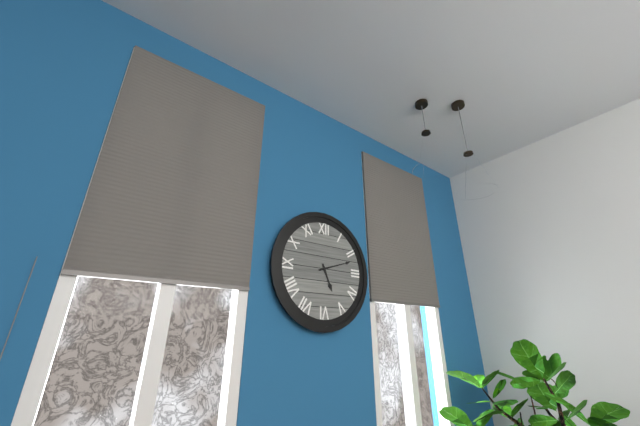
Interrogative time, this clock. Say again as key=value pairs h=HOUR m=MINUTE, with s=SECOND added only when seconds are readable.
h=5 m=12
